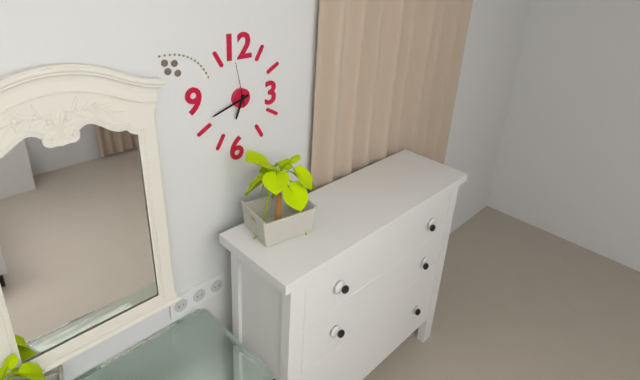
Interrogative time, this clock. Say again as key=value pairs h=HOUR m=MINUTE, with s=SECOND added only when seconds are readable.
h=6 m=42
